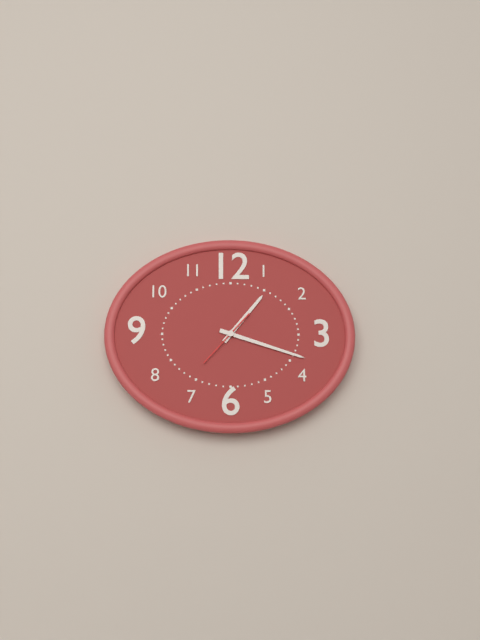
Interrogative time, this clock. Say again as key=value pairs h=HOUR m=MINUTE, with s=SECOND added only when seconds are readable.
h=1 m=18 s=37
